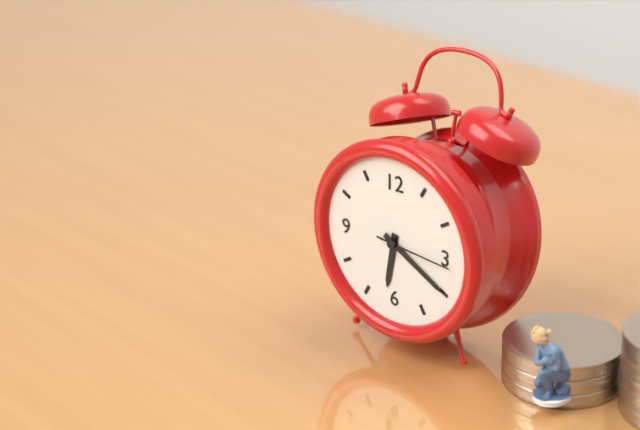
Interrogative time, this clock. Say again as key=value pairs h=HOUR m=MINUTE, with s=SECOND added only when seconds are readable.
h=6 m=20 s=16
